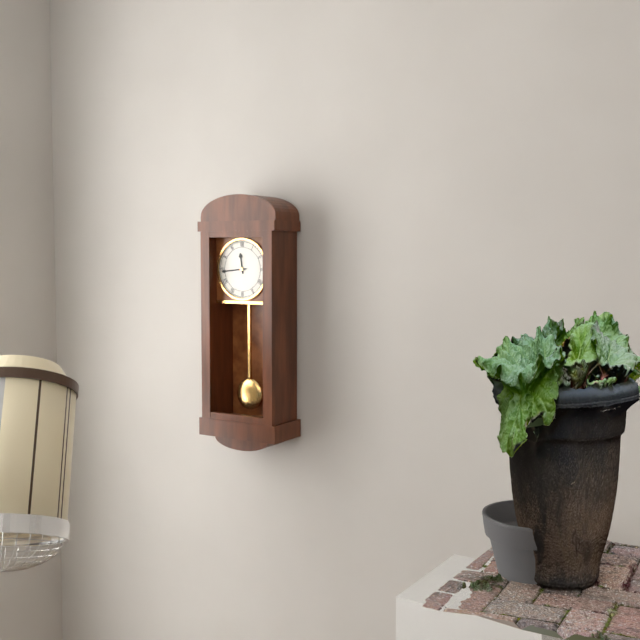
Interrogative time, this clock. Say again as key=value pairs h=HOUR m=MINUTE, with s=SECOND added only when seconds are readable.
h=11 m=44
